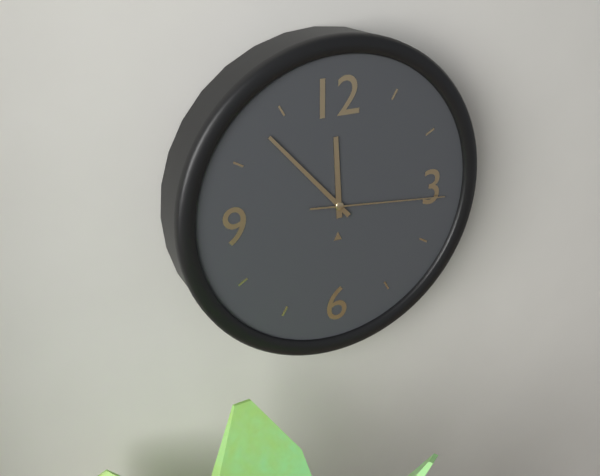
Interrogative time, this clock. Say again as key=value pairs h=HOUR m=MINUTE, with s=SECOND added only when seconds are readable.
h=11 m=53 s=16
